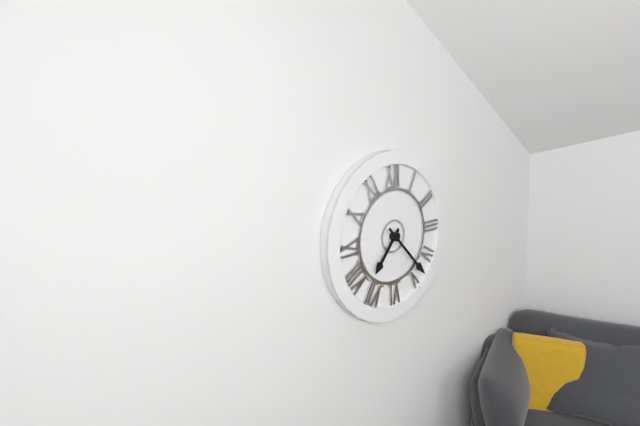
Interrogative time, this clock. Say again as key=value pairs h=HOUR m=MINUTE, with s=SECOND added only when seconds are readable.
h=7 m=23
